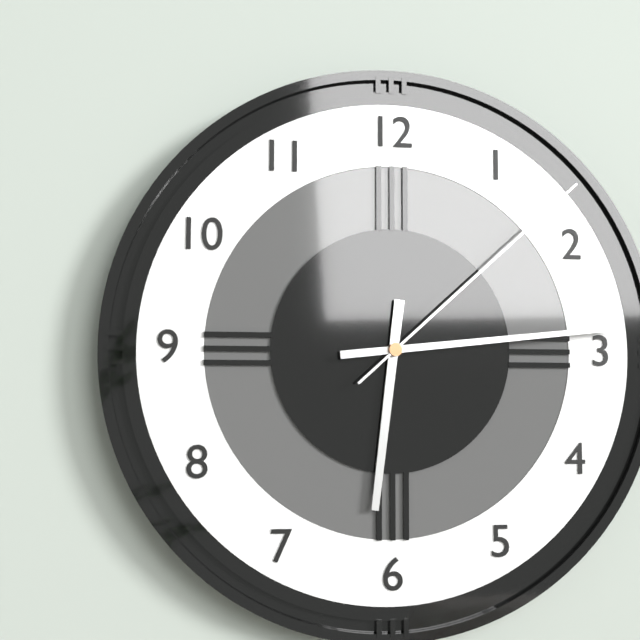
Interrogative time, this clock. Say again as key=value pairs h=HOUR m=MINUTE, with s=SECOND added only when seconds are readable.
h=6 m=14 s=8
